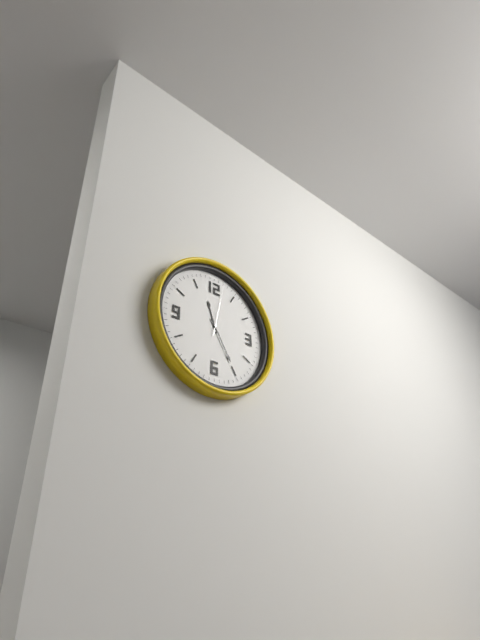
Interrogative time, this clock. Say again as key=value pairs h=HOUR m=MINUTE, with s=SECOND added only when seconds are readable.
h=11 m=25 s=2
